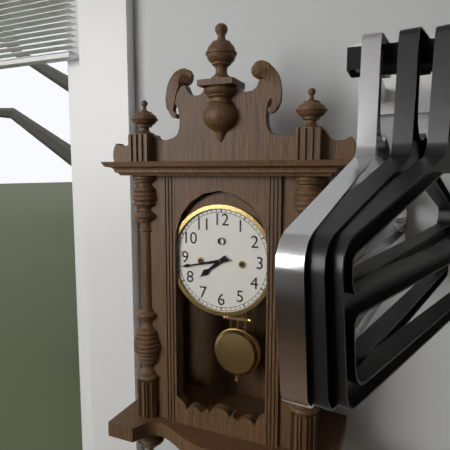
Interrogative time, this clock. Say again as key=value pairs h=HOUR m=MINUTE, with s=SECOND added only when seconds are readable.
h=7 m=43
